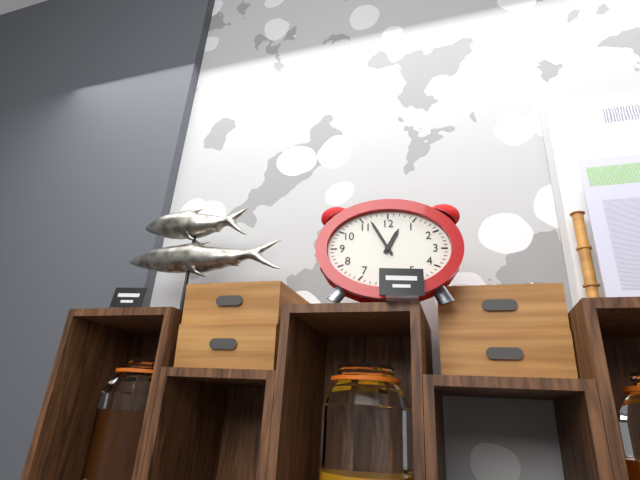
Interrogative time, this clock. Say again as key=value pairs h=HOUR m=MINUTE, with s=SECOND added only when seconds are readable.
h=12 m=55
